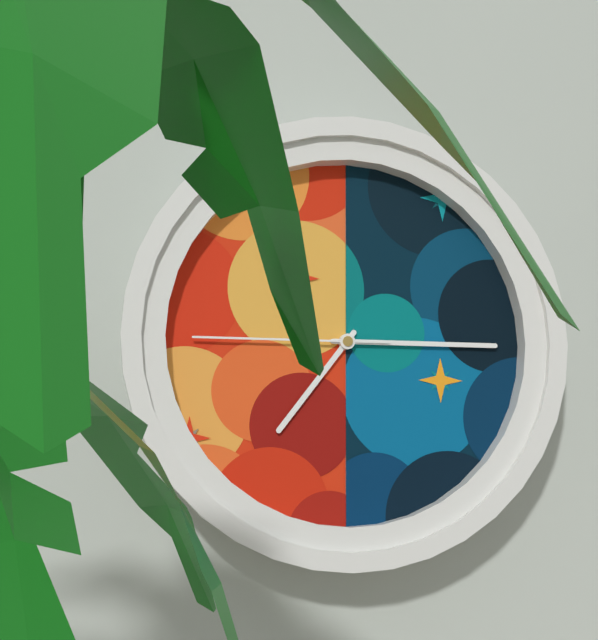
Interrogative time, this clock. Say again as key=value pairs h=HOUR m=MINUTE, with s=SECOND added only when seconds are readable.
h=7 m=15 s=45
